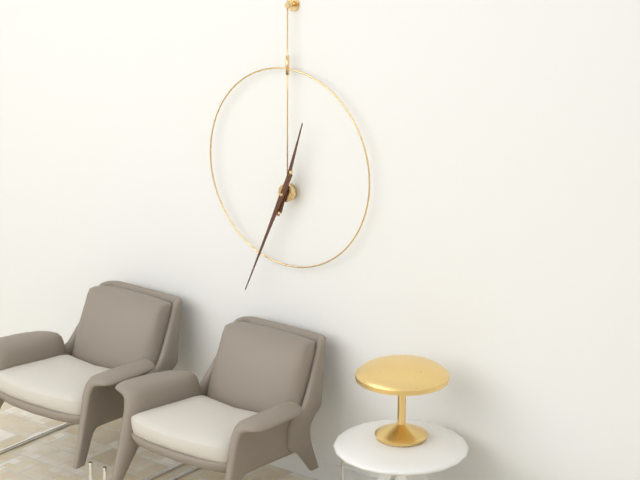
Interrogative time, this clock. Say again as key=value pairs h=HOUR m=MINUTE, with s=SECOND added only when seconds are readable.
h=12 m=34
